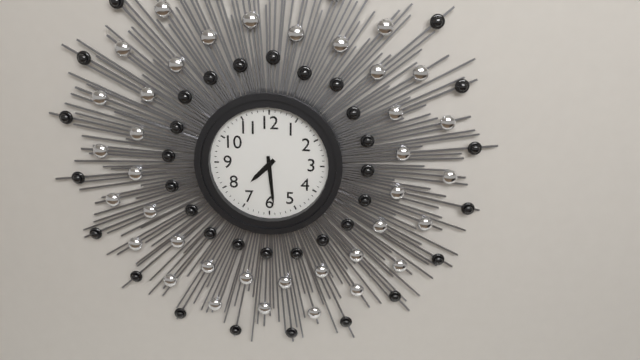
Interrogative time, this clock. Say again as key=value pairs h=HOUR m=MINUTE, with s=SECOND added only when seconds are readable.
h=7 m=29
